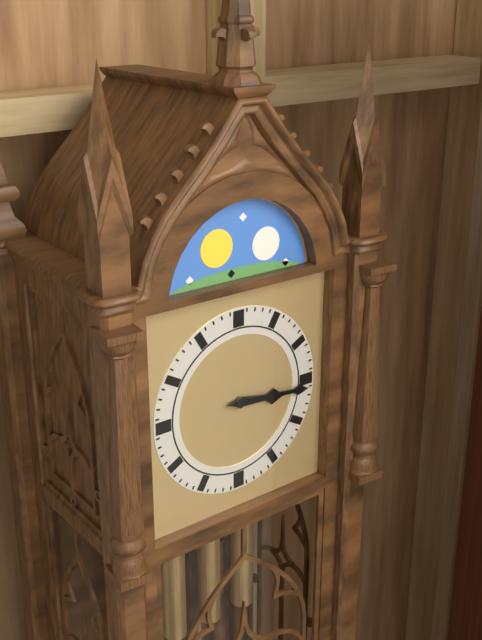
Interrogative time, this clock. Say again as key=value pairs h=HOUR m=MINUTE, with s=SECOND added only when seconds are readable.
h=3 m=16
